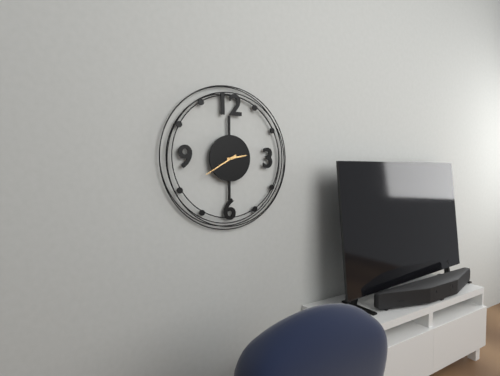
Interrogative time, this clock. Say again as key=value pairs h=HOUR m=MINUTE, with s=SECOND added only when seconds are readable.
h=2 m=40
